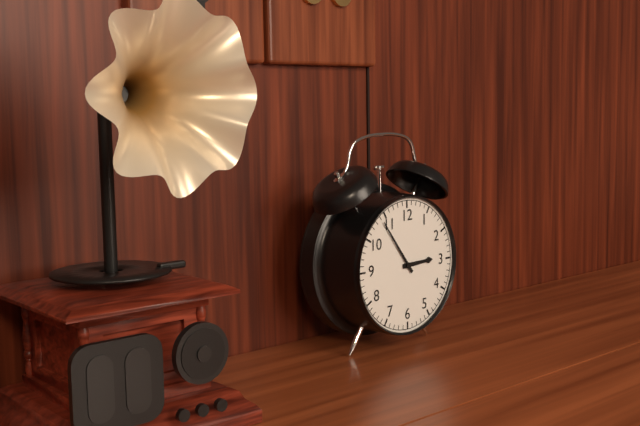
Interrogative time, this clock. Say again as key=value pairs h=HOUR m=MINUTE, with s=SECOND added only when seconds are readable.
h=2 m=54
